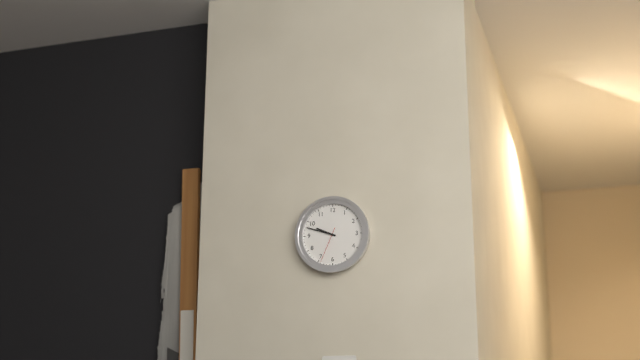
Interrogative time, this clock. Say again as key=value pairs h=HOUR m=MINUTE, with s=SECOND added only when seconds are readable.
h=9 m=48
